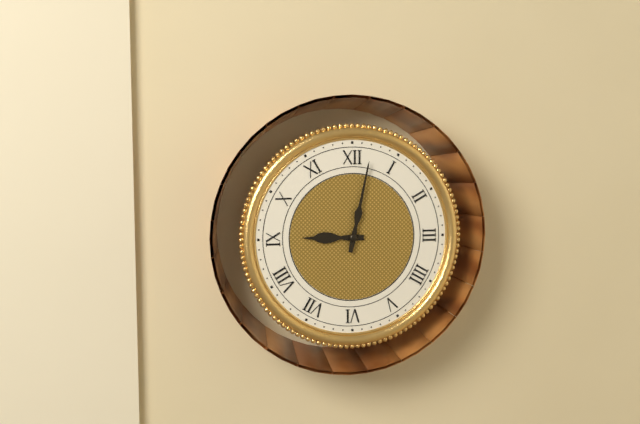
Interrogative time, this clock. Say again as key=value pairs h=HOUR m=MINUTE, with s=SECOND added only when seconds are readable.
h=9 m=2
